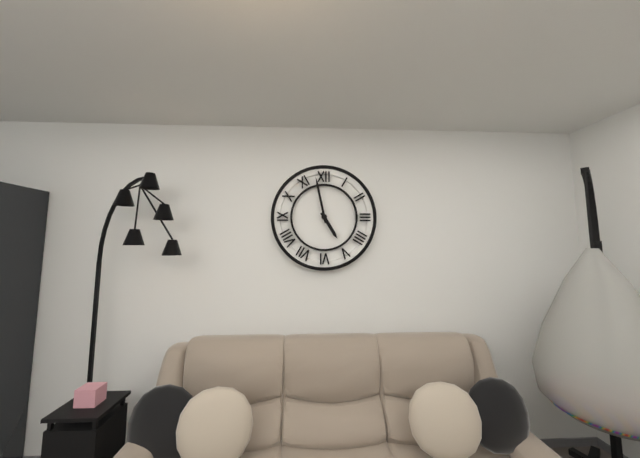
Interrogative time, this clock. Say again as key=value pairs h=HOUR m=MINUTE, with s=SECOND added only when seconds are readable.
h=4 m=58
